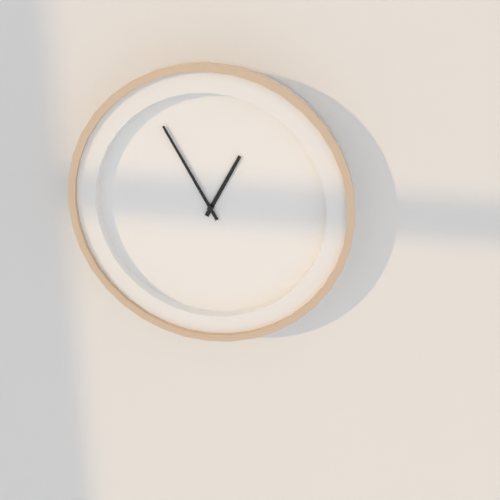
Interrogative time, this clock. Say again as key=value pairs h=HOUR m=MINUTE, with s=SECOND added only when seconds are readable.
h=12 m=55
